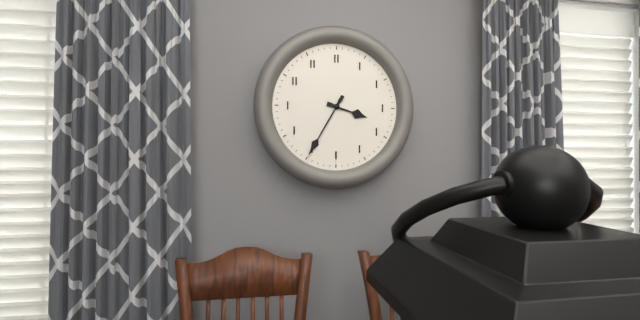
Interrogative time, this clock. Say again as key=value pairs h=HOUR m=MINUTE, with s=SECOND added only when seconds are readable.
h=3 m=35
